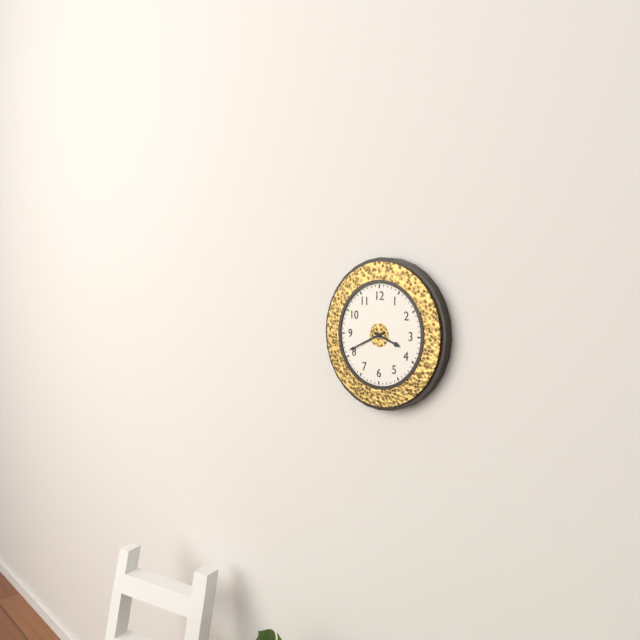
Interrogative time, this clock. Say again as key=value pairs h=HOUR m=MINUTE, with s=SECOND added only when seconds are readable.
h=3 m=41
